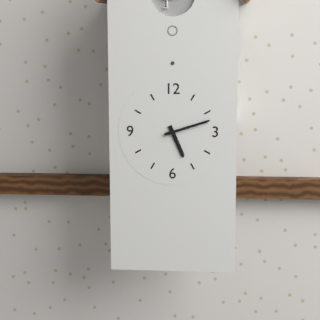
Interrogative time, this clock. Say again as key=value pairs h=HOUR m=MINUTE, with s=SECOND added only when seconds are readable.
h=5 m=12
